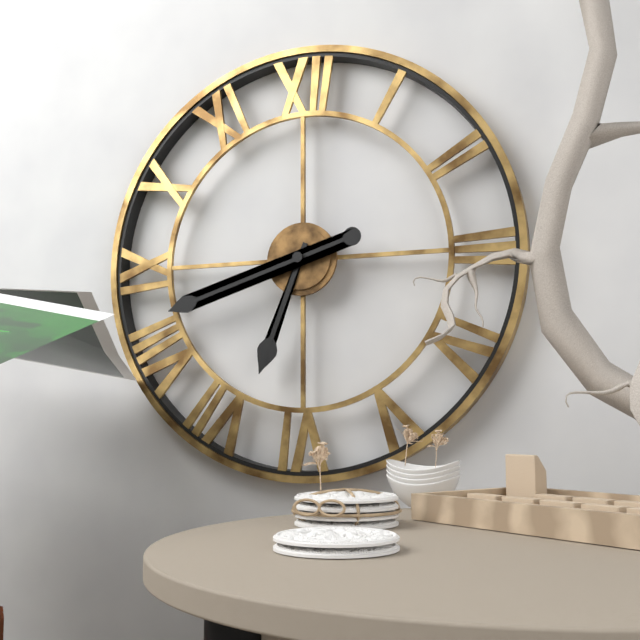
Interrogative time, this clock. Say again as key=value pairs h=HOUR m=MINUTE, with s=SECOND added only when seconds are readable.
h=6 m=42
